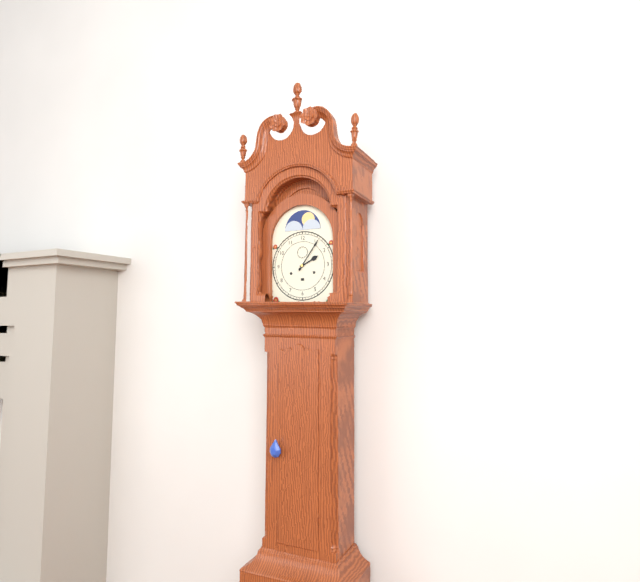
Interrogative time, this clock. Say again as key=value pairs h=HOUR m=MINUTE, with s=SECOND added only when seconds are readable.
h=2 m=6
